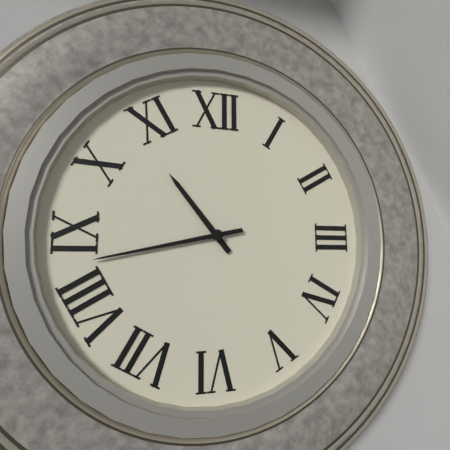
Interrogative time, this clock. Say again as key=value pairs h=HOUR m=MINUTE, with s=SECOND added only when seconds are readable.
h=10 m=43
